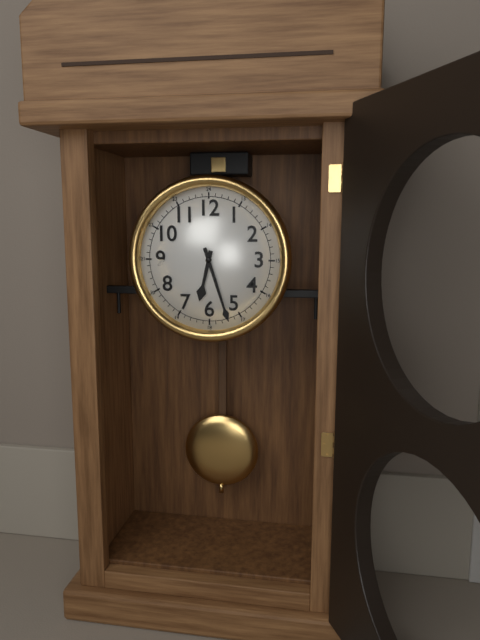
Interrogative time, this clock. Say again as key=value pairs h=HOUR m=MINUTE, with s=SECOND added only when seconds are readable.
h=6 m=27
